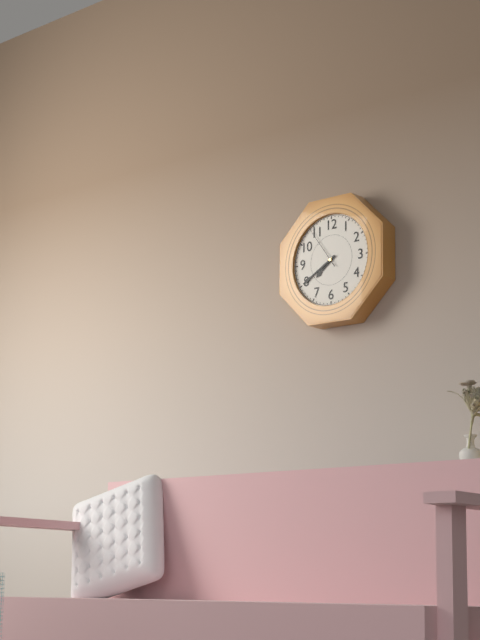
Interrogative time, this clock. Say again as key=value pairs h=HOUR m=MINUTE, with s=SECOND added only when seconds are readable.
h=7 m=40
